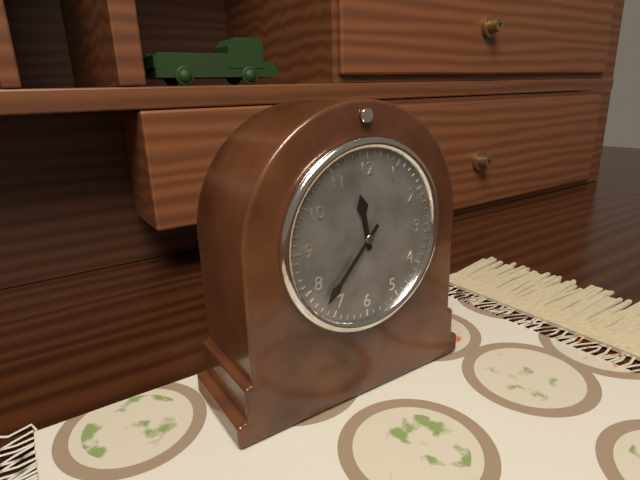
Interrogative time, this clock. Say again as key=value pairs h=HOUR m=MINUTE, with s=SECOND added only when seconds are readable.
h=11 m=37
